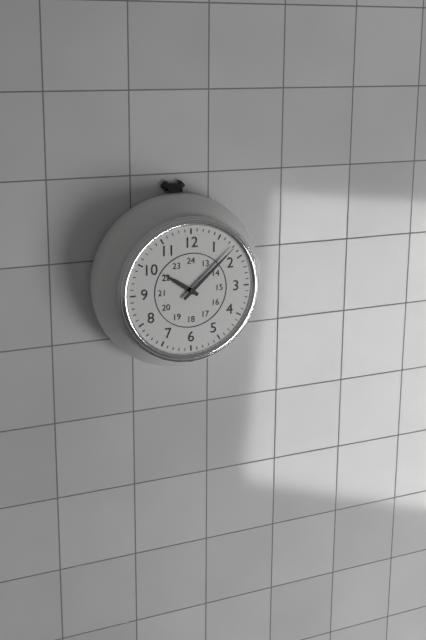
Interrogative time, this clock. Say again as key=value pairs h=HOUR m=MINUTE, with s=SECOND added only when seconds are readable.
h=10 m=8
